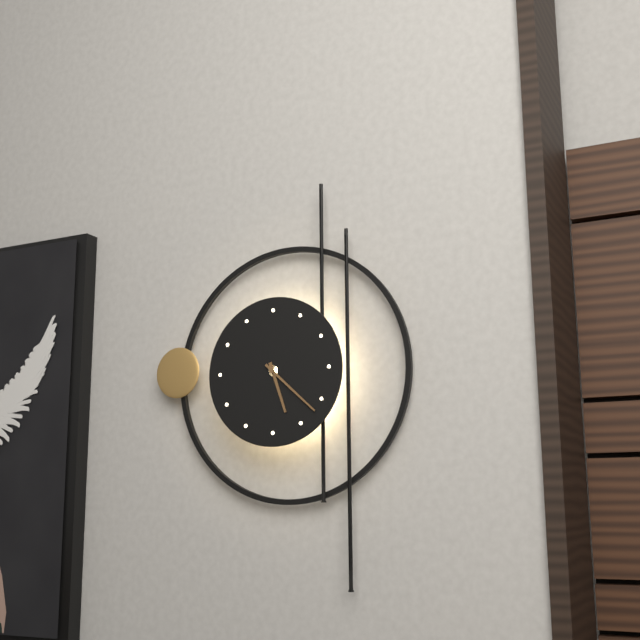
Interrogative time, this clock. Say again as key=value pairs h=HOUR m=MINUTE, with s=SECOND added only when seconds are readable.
h=5 m=22
